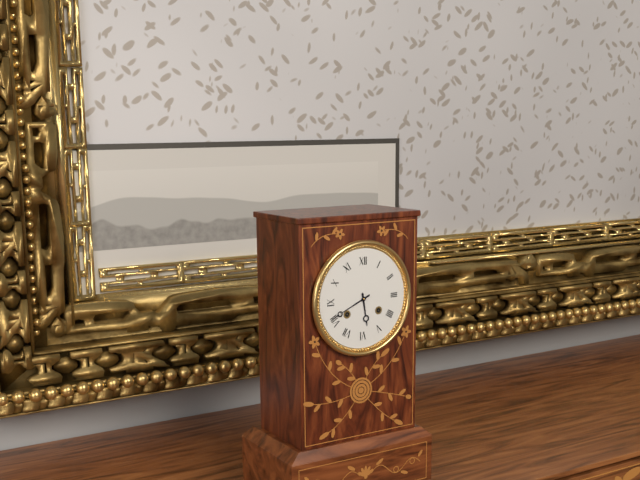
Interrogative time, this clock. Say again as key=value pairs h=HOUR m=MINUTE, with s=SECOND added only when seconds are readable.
h=5 m=41
